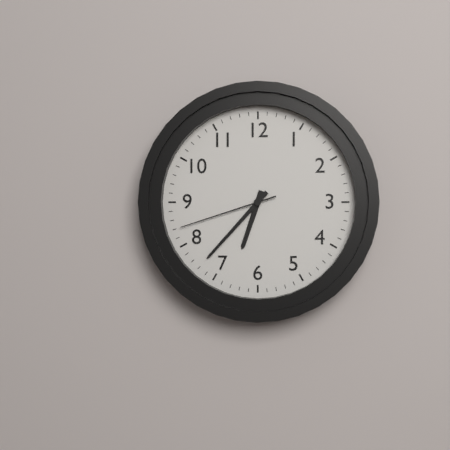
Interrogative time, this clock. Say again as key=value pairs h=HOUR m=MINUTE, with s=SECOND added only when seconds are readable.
h=6 m=37 s=42
